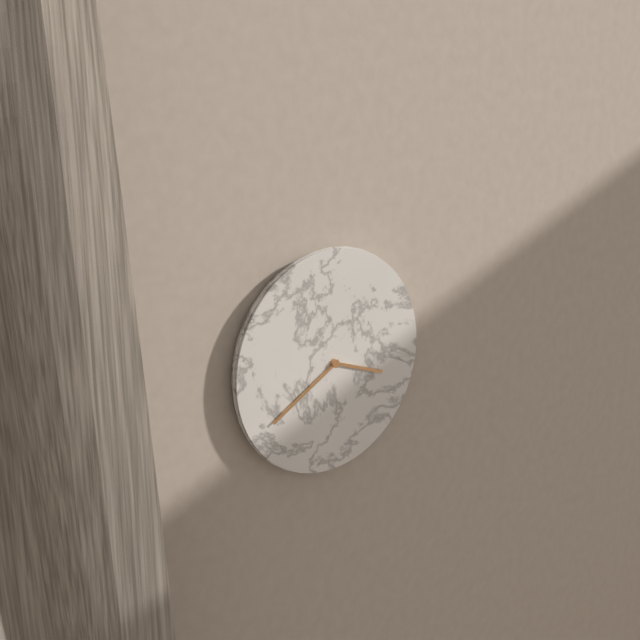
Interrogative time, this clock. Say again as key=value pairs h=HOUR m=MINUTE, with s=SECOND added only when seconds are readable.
h=3 m=40
